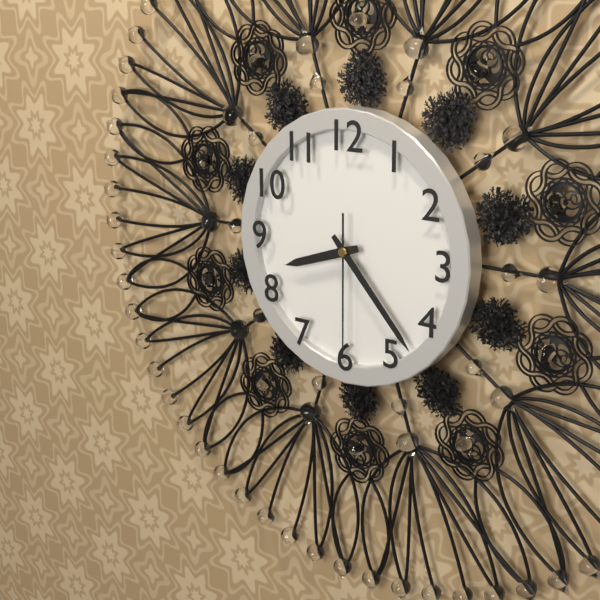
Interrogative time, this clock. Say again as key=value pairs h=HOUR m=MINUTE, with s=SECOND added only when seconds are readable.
h=8 m=23 s=30
